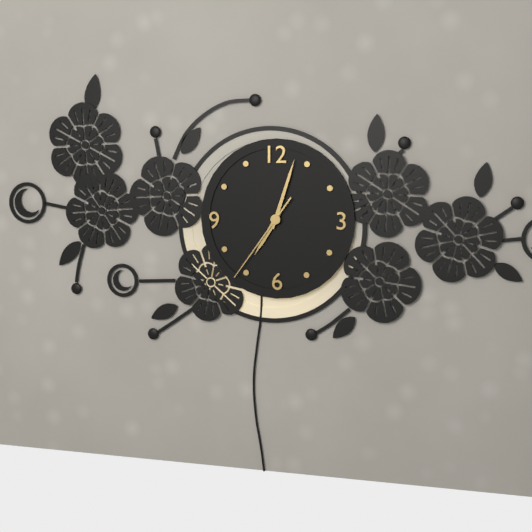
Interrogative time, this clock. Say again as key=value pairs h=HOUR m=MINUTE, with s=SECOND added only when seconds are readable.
h=7 m=3 s=36
